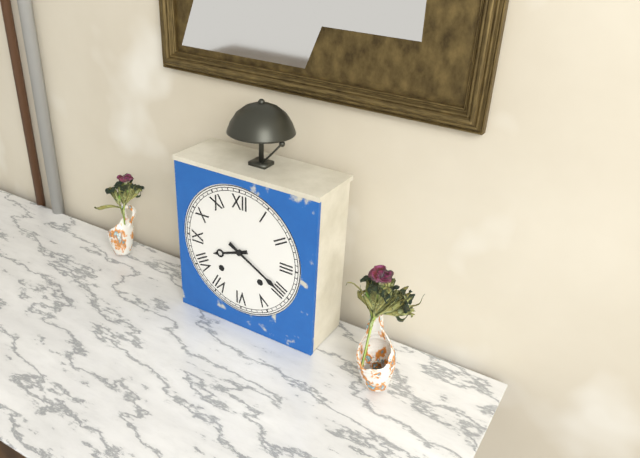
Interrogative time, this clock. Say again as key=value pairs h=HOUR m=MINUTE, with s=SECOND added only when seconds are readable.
h=8 m=20
